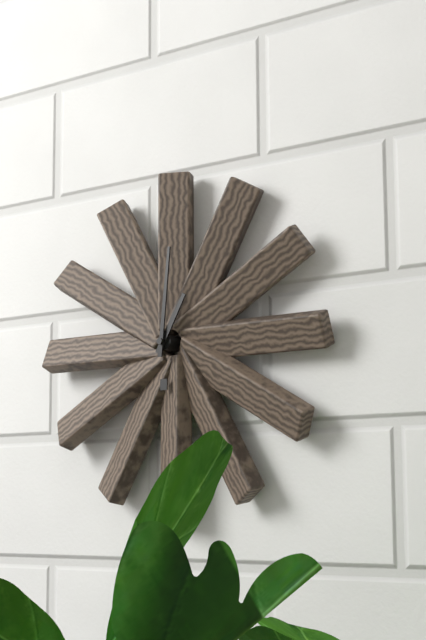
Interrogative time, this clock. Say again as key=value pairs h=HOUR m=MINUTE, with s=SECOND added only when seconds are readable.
h=1 m=1
